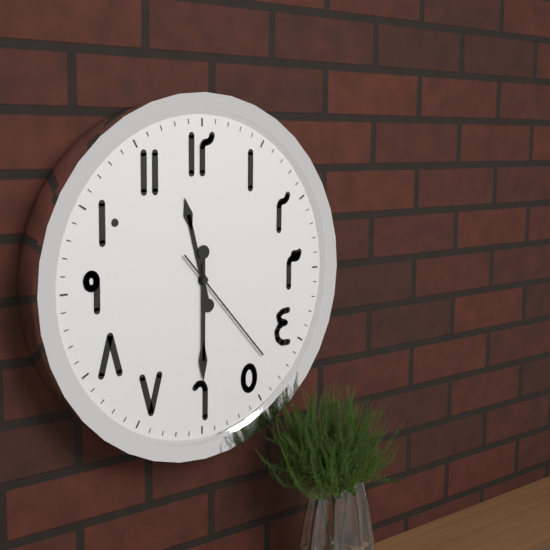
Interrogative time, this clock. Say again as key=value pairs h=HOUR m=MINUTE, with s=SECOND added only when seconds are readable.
h=11 m=30 s=23
